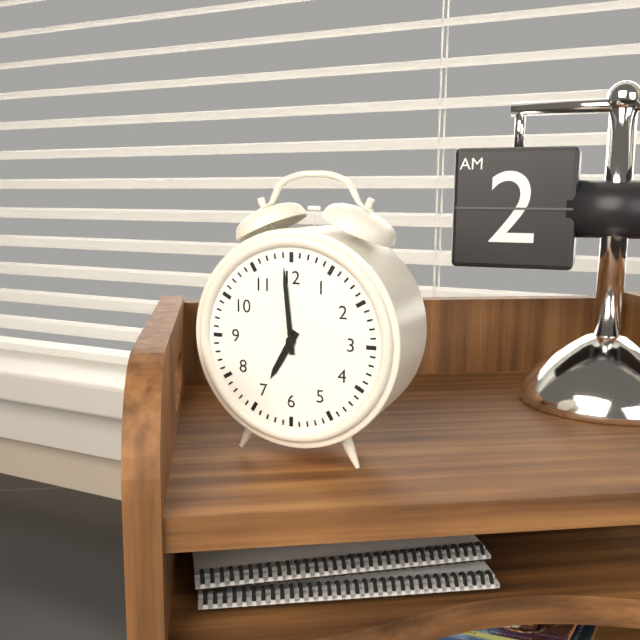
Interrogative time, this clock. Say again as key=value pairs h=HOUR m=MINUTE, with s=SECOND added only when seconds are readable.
h=6 m=59
